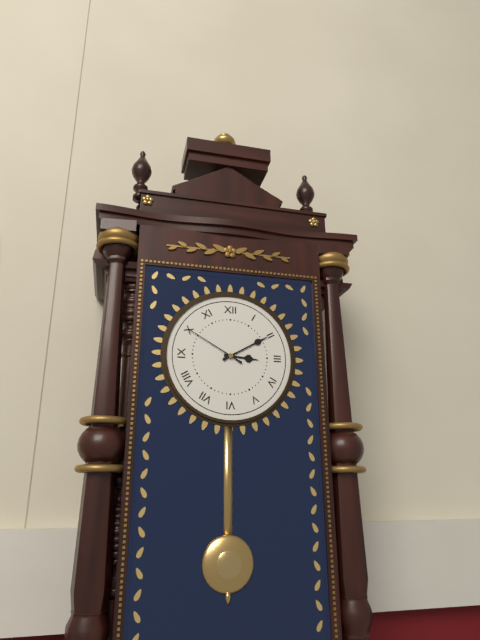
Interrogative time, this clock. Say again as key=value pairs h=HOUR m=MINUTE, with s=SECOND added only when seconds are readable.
h=3 m=10 s=50
